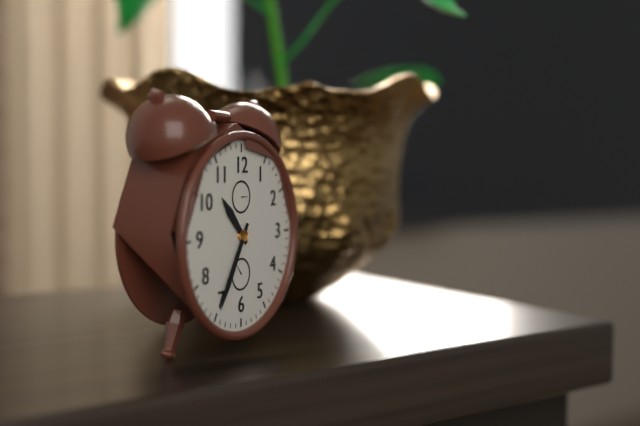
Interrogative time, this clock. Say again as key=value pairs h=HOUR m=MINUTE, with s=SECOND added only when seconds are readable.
h=10 m=35
